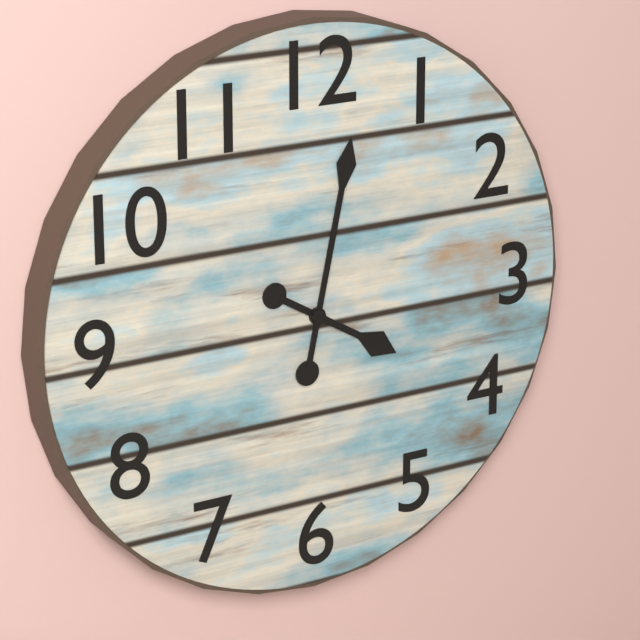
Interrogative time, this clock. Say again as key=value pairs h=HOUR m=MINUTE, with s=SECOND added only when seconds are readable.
h=4 m=2
